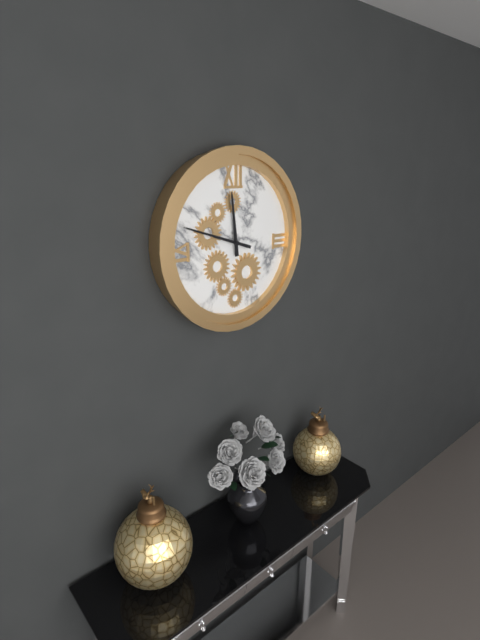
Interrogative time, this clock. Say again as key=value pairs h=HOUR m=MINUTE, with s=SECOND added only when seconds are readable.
h=11 m=48
